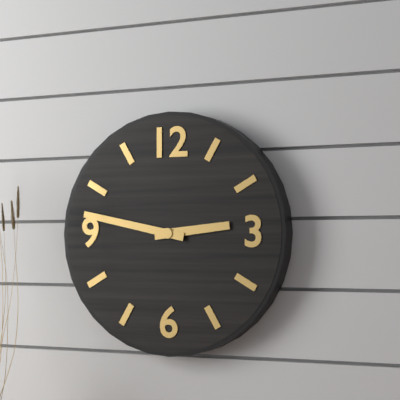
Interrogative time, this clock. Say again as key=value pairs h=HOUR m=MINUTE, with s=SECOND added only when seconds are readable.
h=2 m=47
